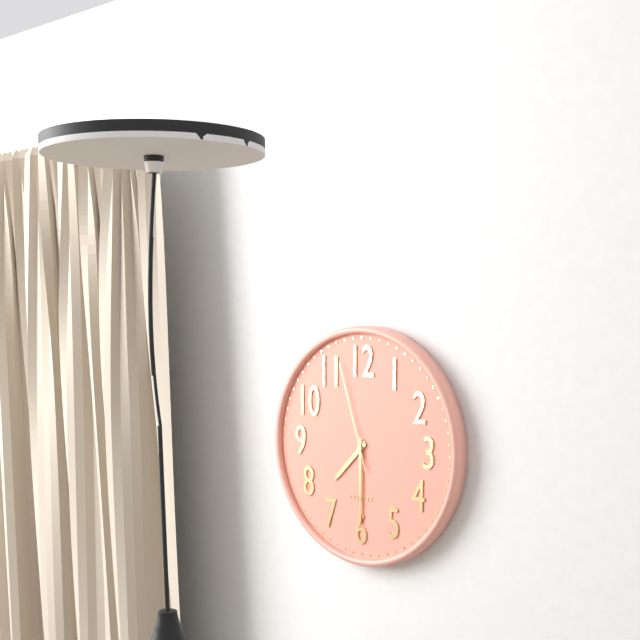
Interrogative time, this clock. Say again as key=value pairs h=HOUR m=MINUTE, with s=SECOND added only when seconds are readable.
h=7 m=30 s=57
